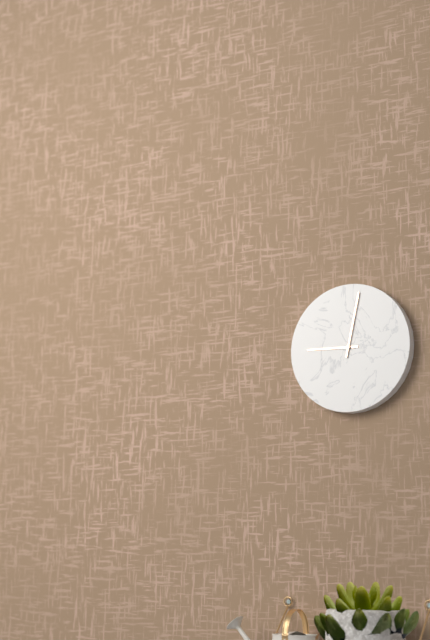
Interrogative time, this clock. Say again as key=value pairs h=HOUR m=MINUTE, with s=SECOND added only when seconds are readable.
h=9 m=2
